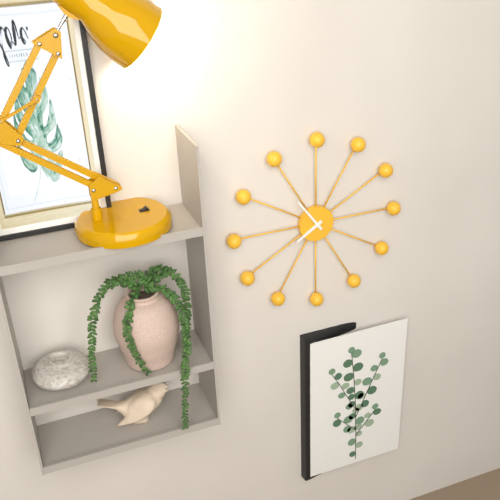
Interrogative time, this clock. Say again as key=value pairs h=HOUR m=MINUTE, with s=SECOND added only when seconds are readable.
h=7 m=54
